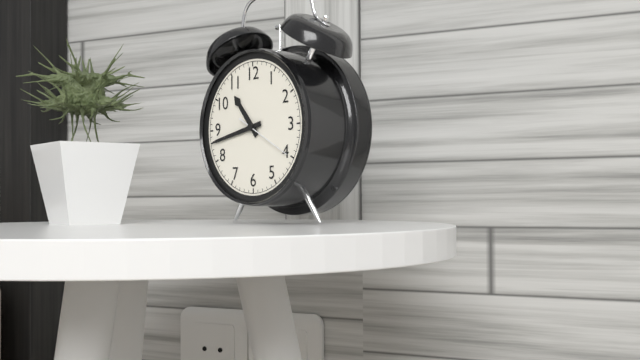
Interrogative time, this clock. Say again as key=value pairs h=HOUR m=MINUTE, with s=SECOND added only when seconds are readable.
h=10 m=43 s=20
